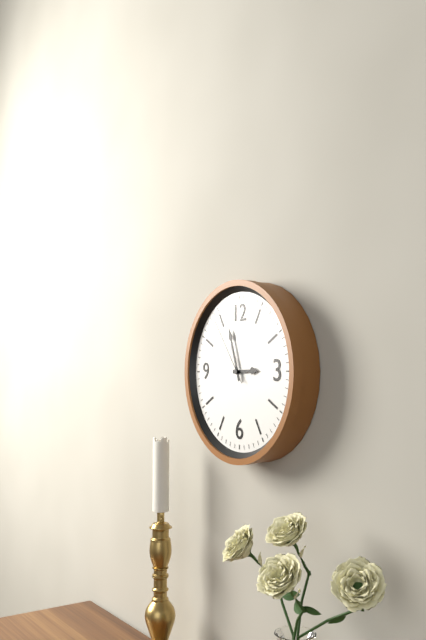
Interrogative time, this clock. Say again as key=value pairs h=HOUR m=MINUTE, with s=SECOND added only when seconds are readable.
h=2 m=57 s=54
